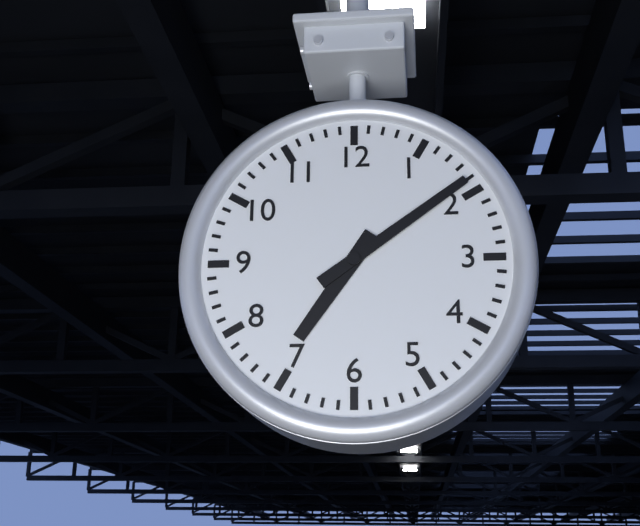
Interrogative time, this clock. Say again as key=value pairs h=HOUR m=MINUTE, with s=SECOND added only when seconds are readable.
h=7 m=9
